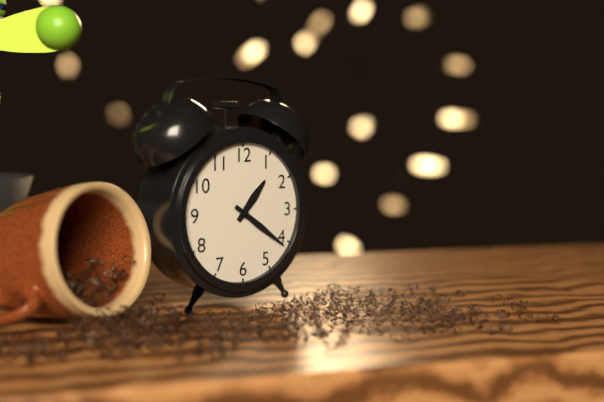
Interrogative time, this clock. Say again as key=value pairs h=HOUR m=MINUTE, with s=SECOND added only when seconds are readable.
h=1 m=21
